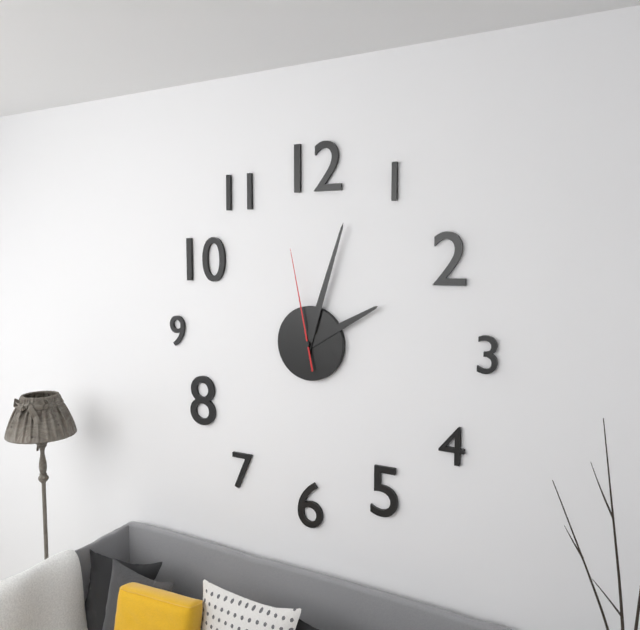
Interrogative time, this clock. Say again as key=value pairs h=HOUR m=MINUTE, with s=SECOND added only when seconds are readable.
h=2 m=3 s=58
